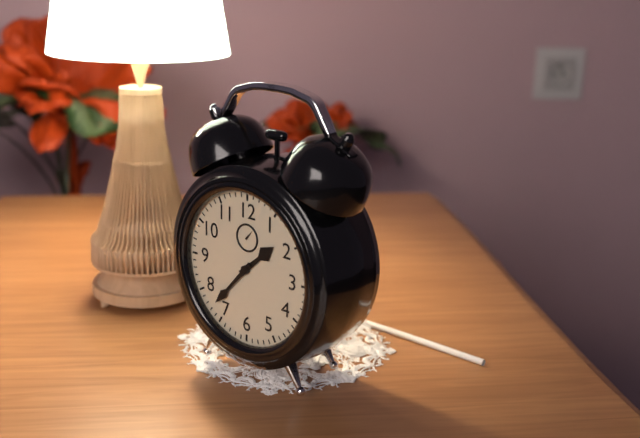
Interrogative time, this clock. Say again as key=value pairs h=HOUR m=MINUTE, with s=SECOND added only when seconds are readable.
h=1 m=37
